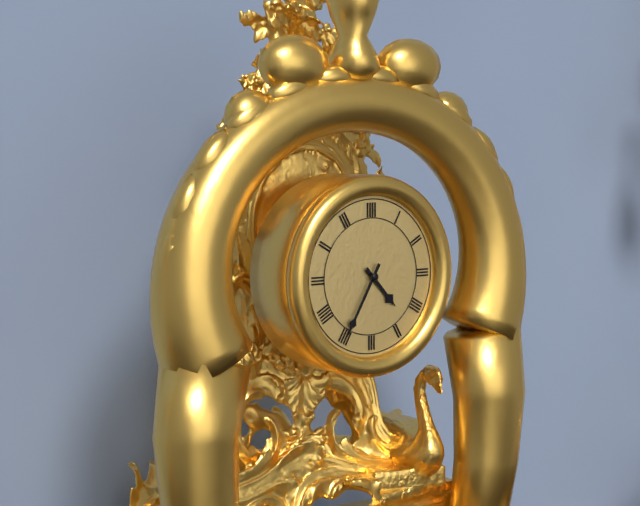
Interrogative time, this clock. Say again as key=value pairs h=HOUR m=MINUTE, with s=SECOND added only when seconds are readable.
h=4 m=35
